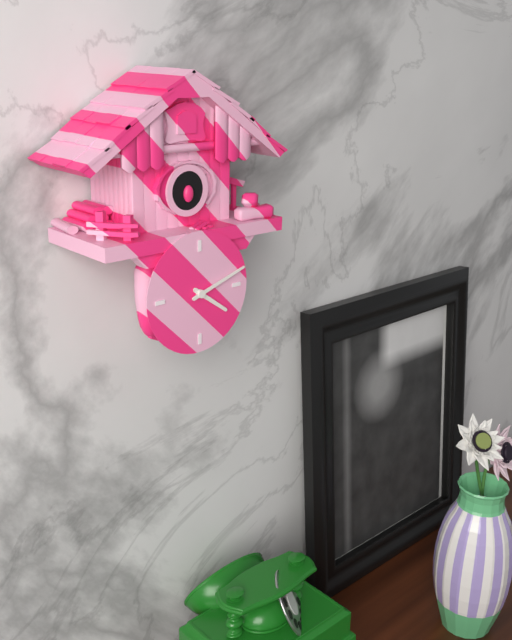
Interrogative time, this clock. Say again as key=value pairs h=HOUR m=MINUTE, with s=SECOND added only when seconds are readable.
h=4 m=12
